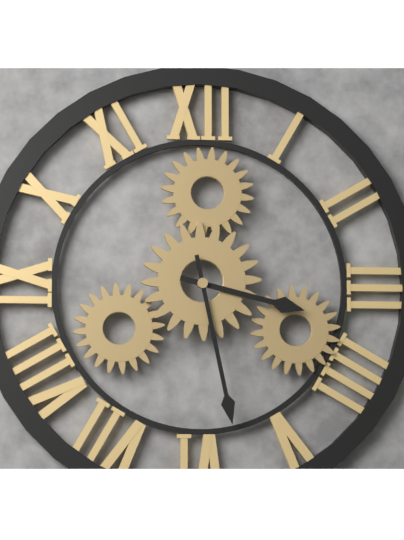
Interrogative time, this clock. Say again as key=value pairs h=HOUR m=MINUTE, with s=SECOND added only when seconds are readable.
h=3 m=28
